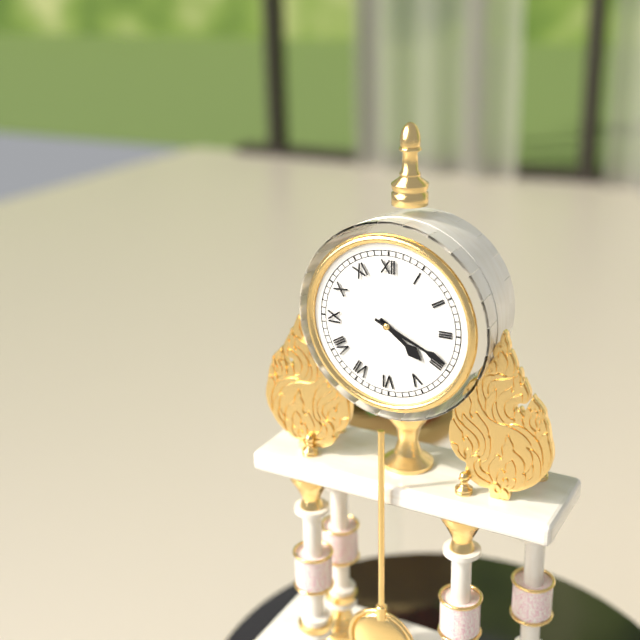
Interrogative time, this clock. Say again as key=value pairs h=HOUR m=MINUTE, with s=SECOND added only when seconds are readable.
h=4 m=19
